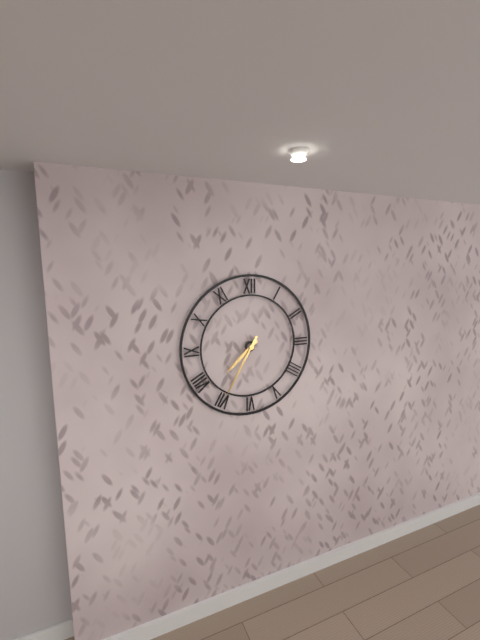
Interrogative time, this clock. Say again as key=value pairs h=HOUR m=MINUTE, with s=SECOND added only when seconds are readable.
h=7 m=35
